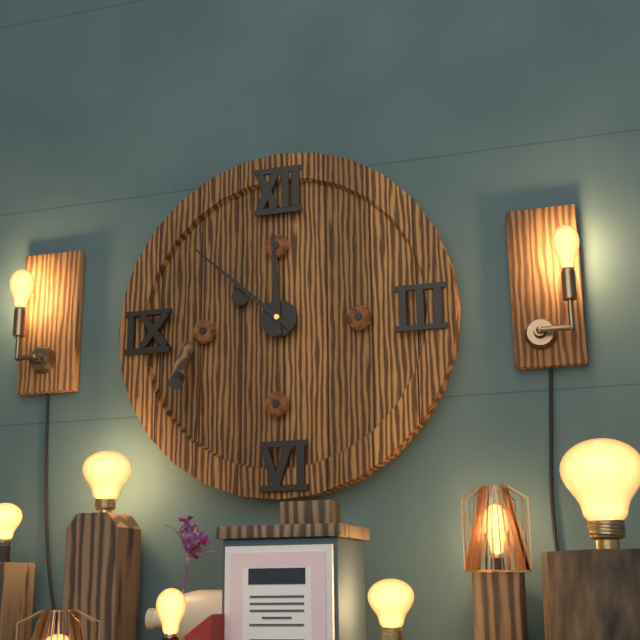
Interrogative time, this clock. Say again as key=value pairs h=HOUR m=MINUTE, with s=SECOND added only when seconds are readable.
h=11 m=52
